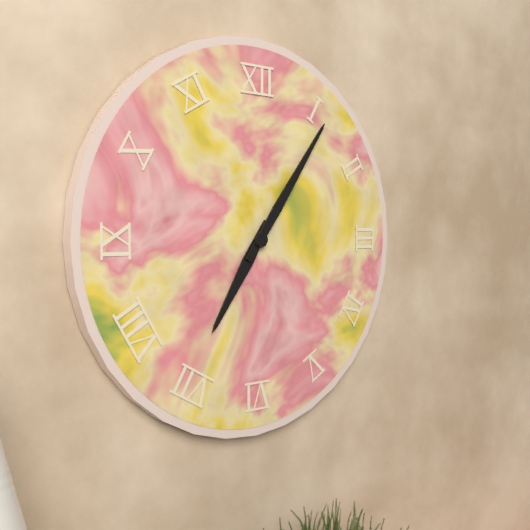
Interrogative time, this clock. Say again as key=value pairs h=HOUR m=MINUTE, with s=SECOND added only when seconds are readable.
h=7 m=6
